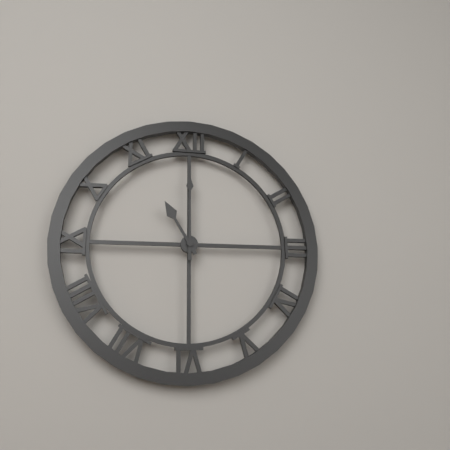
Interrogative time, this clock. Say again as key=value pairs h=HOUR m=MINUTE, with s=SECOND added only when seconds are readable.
h=11 m=0
